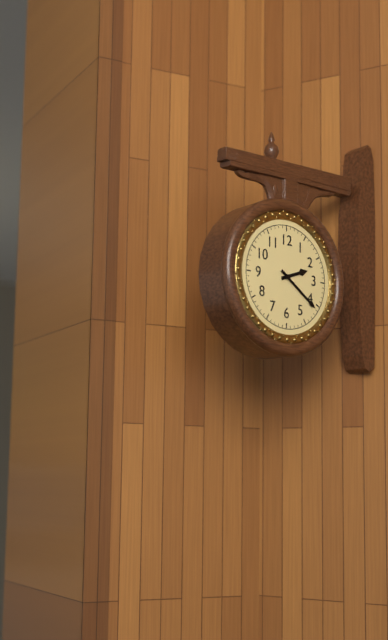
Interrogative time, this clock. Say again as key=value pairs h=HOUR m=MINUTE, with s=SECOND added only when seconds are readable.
h=2 m=21
